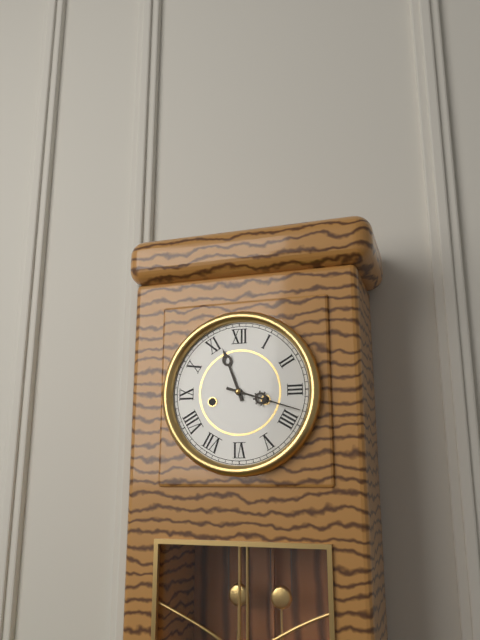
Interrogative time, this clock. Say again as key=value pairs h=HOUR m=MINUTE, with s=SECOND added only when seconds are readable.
h=11 m=18
